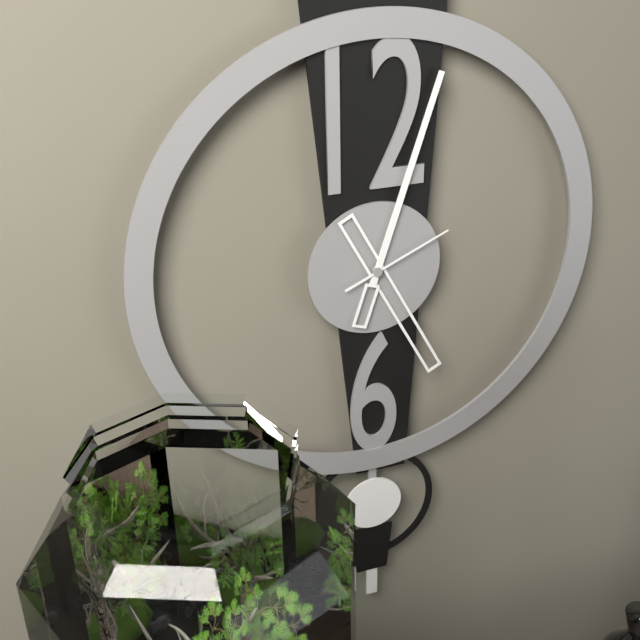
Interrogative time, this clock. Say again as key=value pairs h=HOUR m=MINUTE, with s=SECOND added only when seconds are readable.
h=5 m=3 s=11
